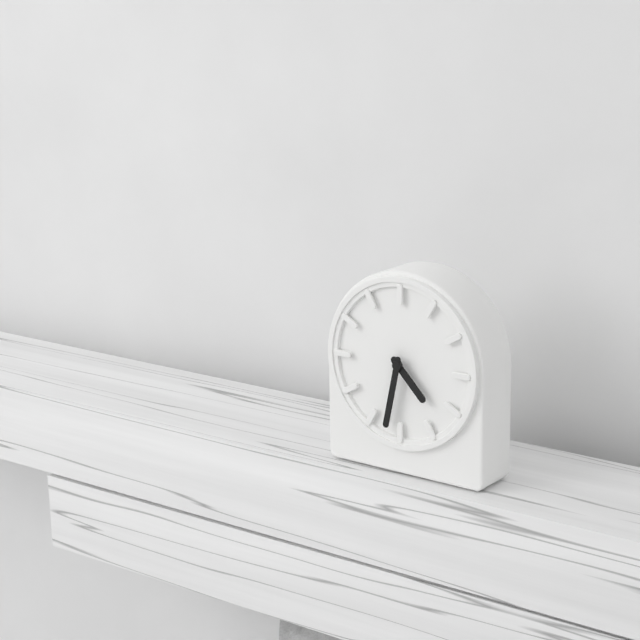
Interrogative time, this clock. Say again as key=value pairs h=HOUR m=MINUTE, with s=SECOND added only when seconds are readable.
h=4 m=32
